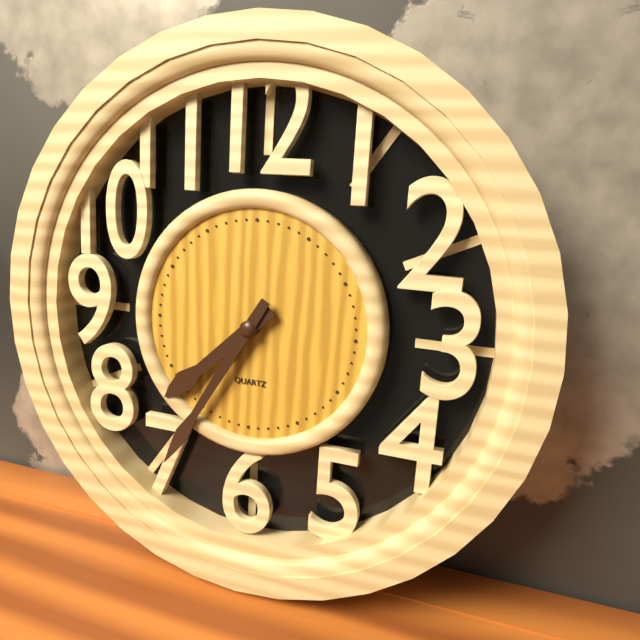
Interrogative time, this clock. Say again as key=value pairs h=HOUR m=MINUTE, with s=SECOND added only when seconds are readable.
h=7 m=35
